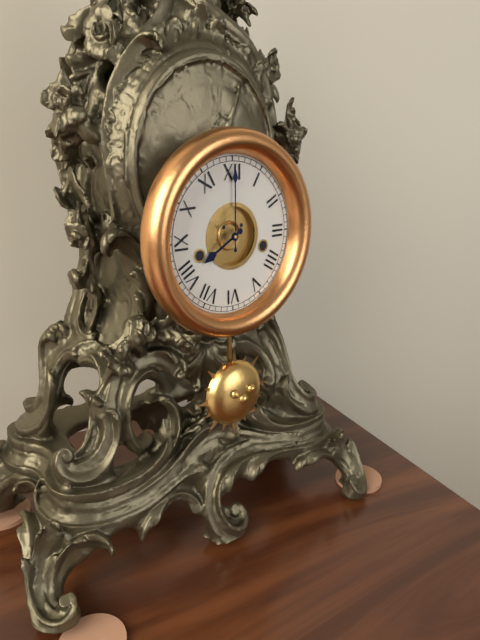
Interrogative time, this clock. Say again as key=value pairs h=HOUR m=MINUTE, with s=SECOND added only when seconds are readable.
h=8 m=0
